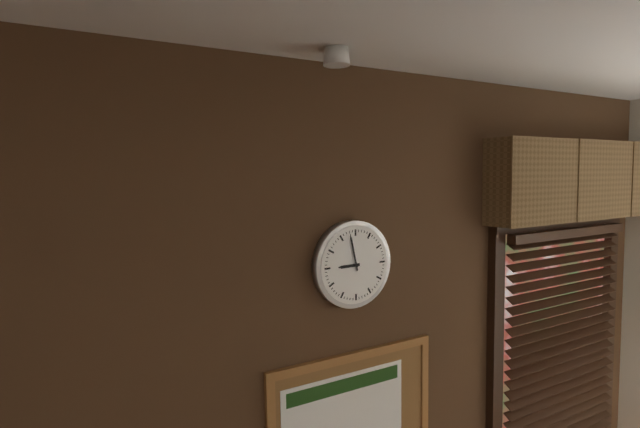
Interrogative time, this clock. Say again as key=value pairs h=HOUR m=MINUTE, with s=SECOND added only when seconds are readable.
h=8 m=58
